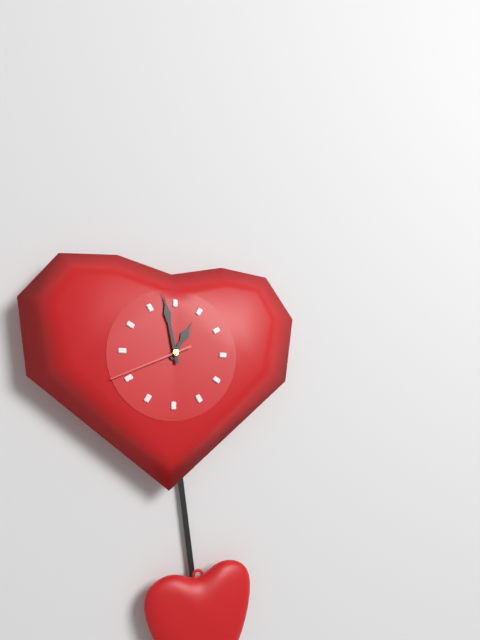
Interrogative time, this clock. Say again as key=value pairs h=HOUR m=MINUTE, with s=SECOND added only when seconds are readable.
h=12 m=58 s=41
